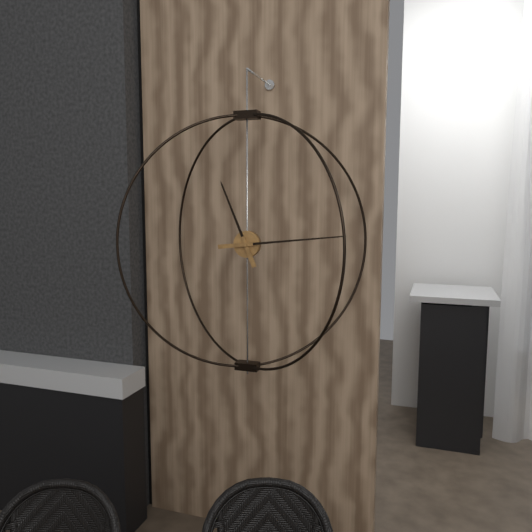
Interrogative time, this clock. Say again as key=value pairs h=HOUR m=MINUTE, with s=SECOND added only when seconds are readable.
h=11 m=14
